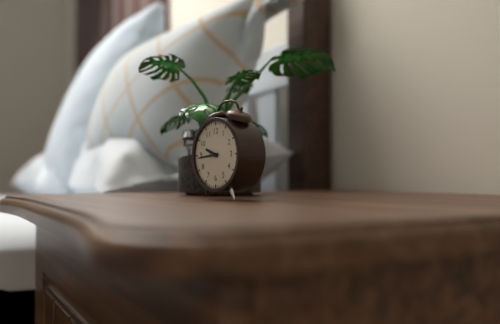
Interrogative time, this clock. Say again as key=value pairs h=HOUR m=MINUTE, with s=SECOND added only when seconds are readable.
h=9 m=44
